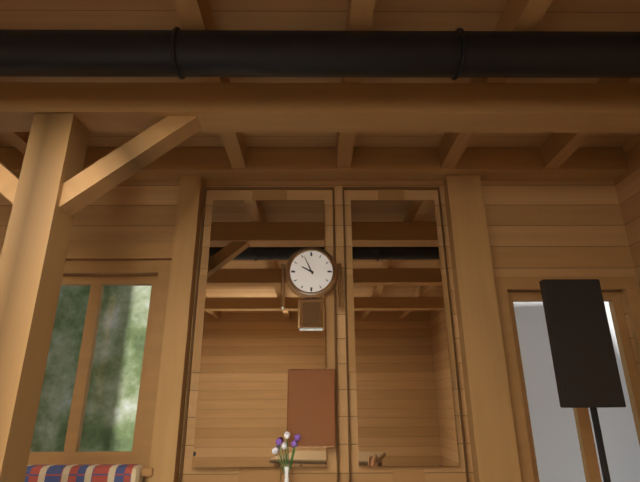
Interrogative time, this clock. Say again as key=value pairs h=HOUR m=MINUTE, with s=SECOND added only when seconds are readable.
h=9 m=56
